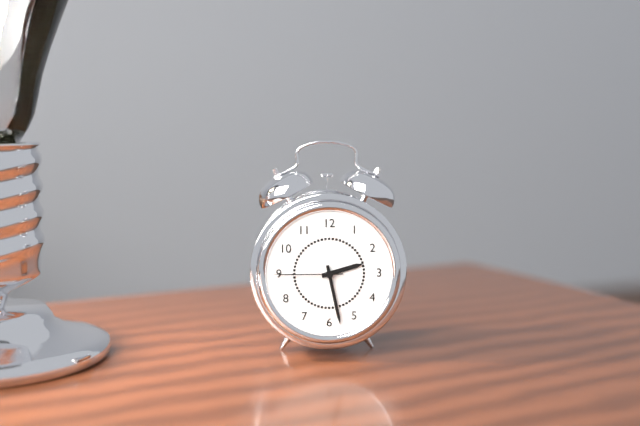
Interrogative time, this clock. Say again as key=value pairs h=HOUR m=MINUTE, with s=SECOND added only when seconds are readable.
h=2 m=28 s=45
